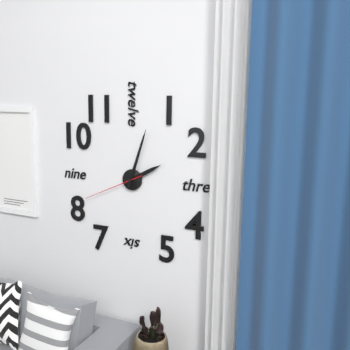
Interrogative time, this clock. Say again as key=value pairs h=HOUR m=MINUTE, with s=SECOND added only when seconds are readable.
h=2 m=3 s=41
